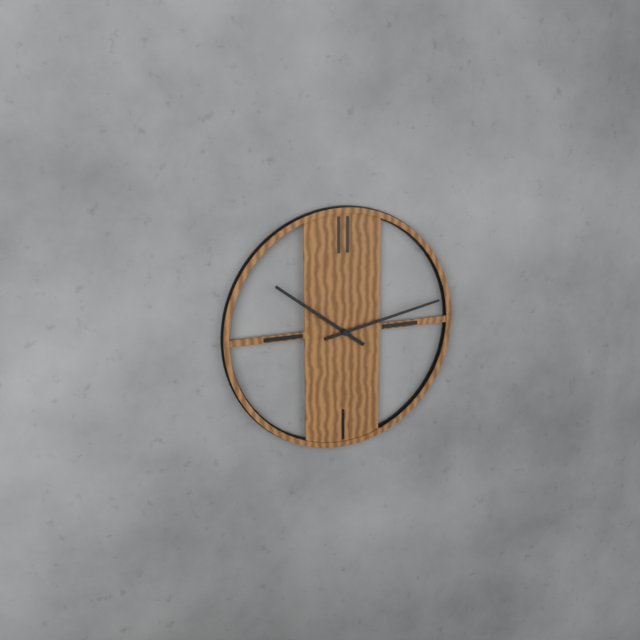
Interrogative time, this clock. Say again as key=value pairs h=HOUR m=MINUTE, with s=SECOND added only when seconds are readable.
h=10 m=13
